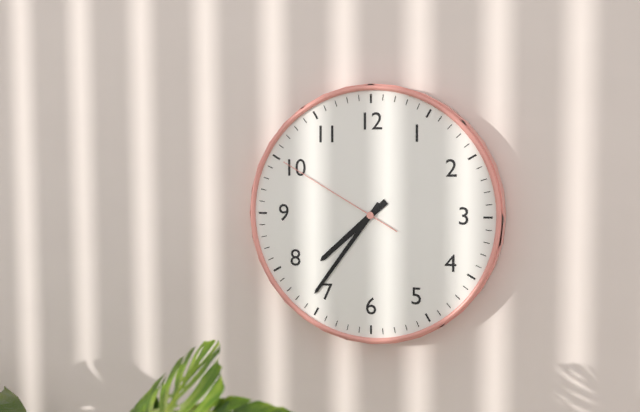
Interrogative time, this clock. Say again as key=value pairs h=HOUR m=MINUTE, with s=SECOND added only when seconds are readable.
h=7 m=36 s=50
